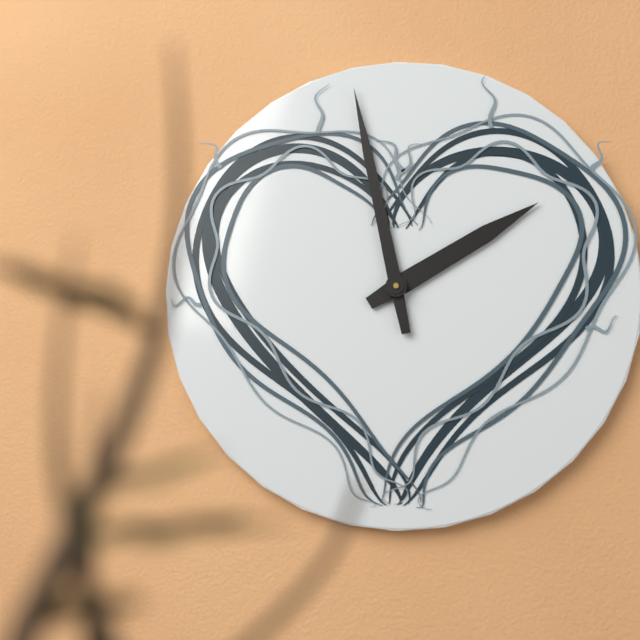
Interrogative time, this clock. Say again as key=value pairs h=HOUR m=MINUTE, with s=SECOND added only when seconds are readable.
h=1 m=58
